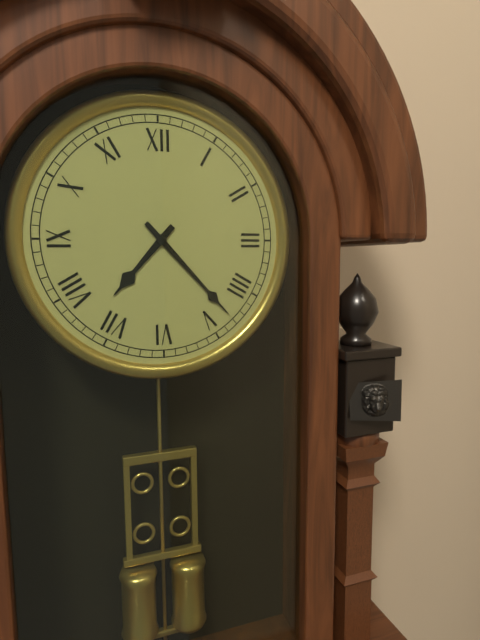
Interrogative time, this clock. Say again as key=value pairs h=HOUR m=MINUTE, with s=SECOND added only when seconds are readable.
h=7 m=23
